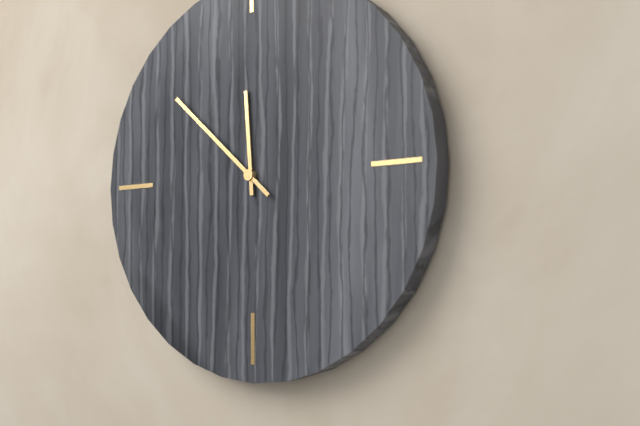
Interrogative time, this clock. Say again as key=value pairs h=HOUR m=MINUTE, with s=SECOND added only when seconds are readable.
h=11 m=52
